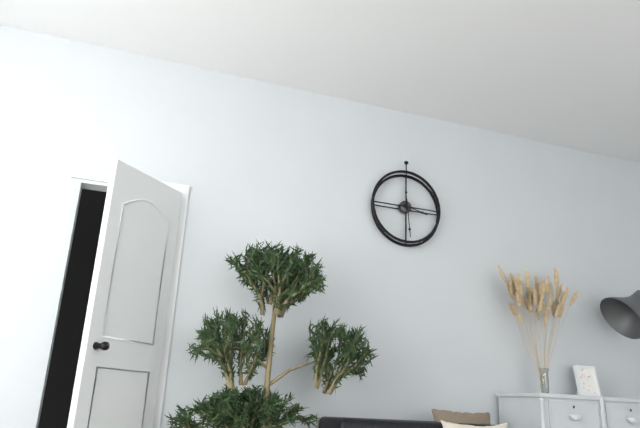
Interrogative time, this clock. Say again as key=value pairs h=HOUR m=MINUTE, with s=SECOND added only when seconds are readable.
h=3 m=29
